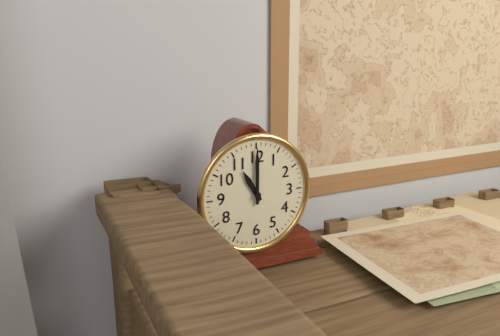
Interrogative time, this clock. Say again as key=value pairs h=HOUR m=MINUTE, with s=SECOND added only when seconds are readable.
h=11 m=0
